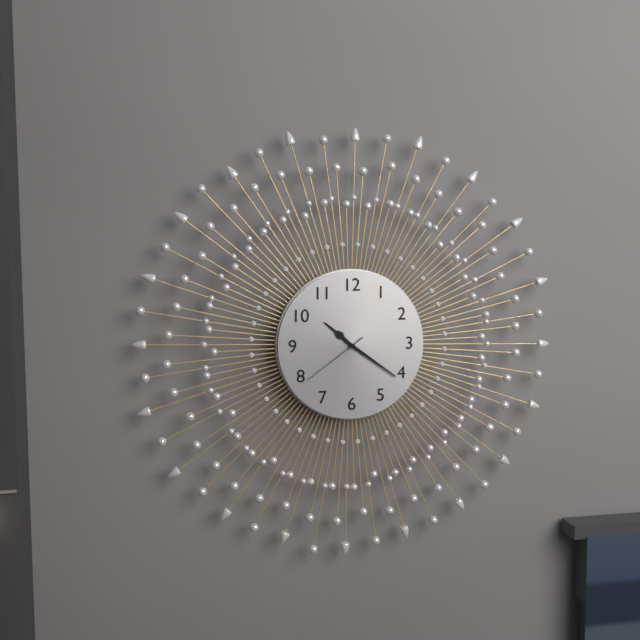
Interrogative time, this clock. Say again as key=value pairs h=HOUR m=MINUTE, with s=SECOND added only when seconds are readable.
h=10 m=21 s=39
